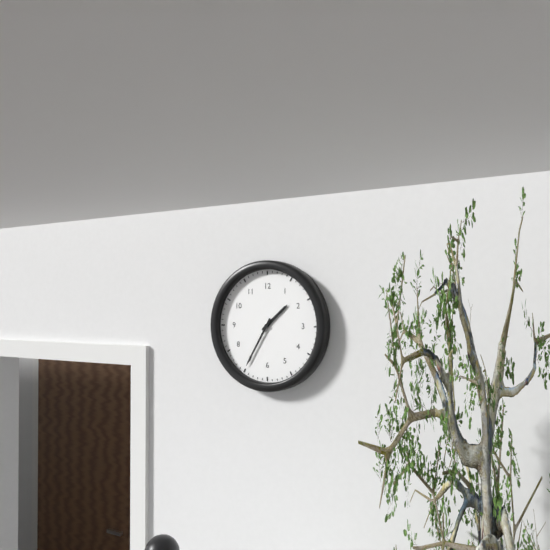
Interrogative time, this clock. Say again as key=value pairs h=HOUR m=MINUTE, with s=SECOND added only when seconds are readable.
h=1 m=35
